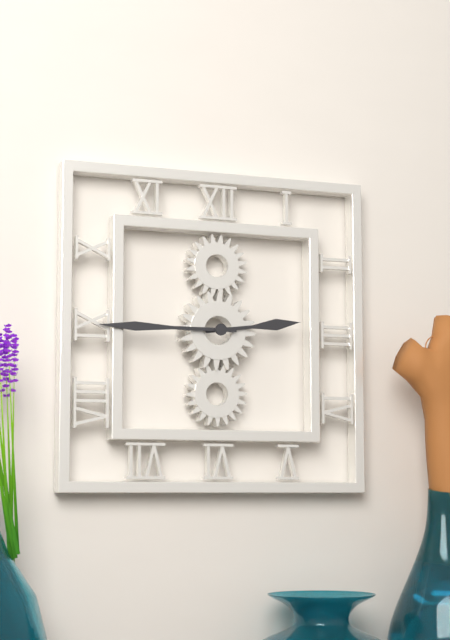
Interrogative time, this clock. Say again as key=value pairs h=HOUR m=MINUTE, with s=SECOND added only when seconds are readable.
h=2 m=45
